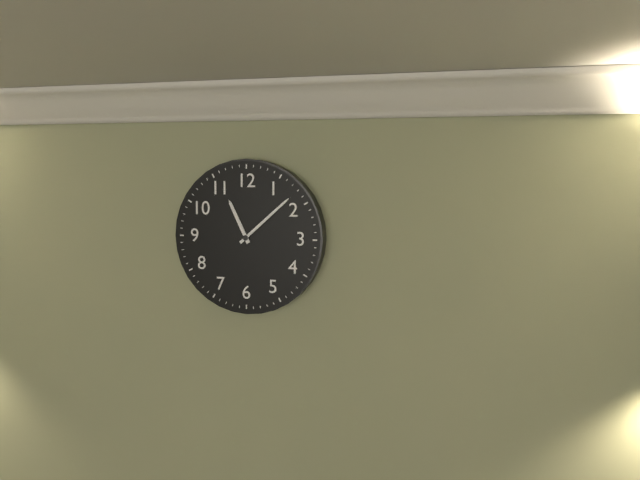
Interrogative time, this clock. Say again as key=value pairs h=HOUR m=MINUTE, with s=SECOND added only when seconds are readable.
h=11 m=8
